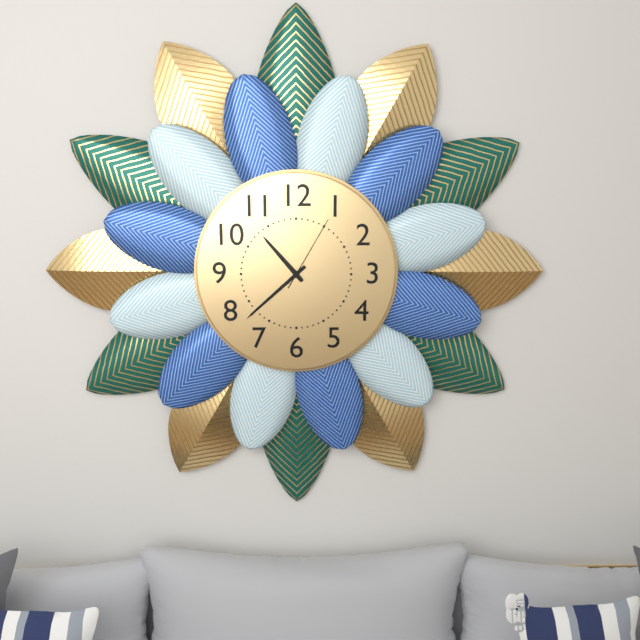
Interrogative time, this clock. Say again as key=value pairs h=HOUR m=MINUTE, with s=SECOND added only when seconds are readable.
h=10 m=38 s=5
